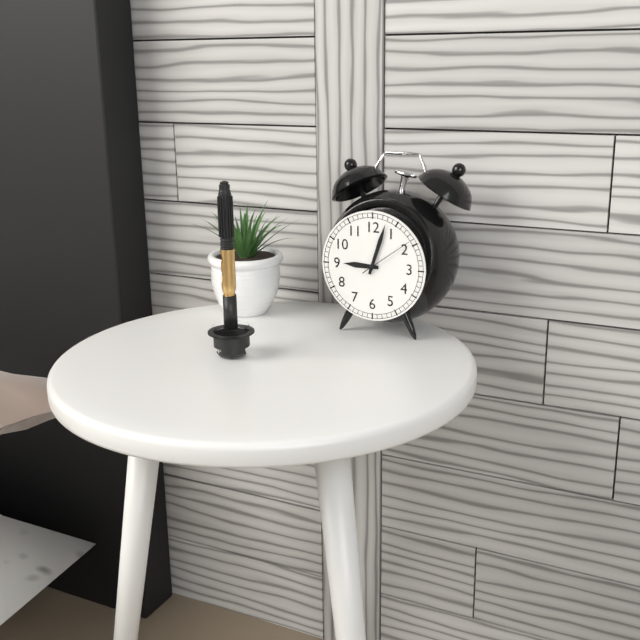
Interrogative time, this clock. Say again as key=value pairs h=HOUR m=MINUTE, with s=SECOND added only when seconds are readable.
h=9 m=3 s=9
